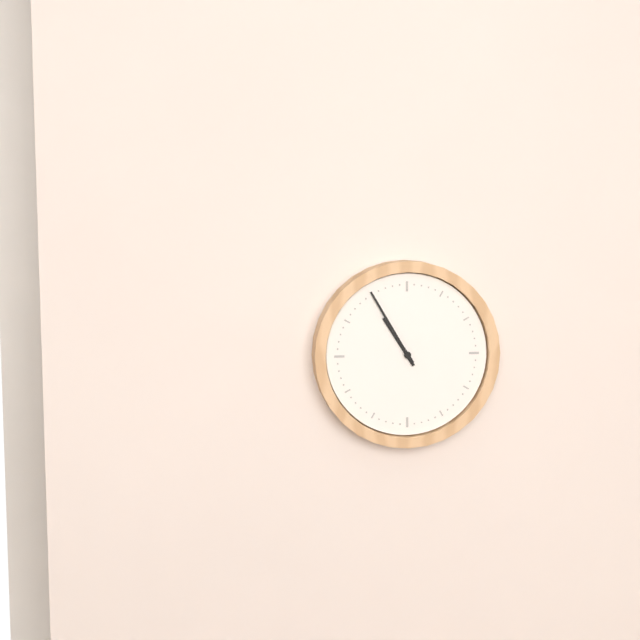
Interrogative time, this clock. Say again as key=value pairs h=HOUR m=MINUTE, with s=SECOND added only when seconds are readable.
h=10 m=55
